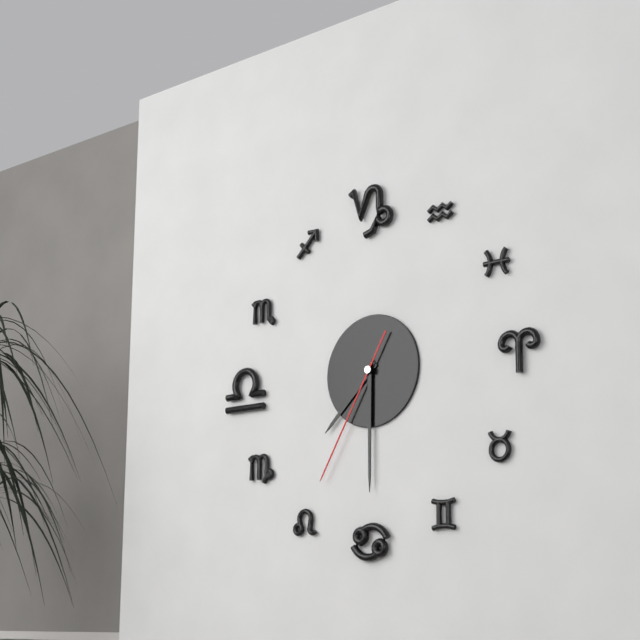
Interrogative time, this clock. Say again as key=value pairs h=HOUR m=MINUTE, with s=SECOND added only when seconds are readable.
h=7 m=30 s=35
